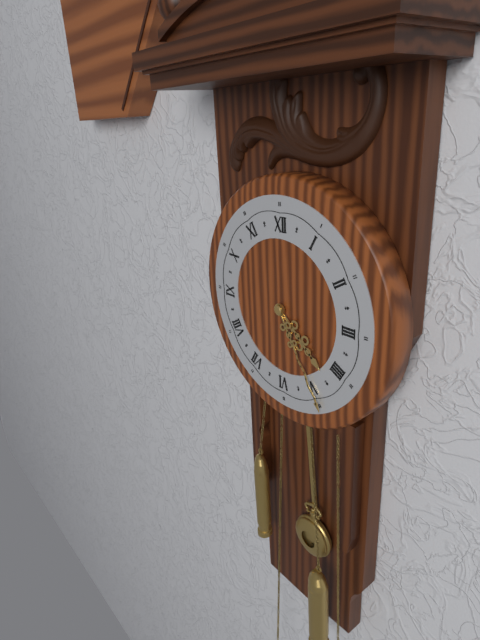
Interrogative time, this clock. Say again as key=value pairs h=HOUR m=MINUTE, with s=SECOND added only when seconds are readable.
h=4 m=25
